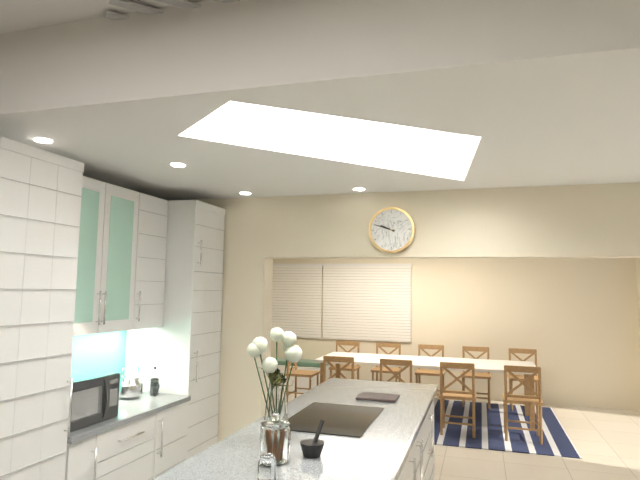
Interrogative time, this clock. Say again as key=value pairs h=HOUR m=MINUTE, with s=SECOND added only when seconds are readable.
h=9 m=48
